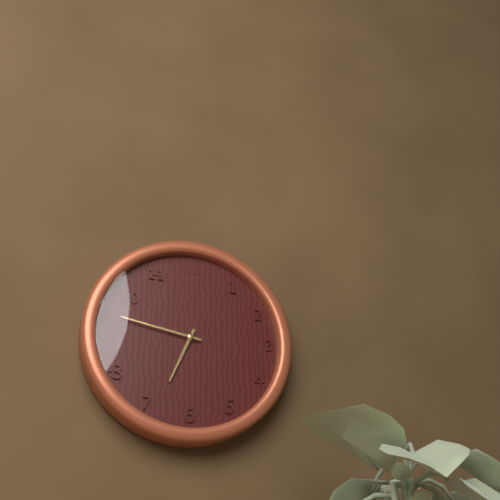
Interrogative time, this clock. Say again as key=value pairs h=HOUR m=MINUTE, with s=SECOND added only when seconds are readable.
h=6 m=47
